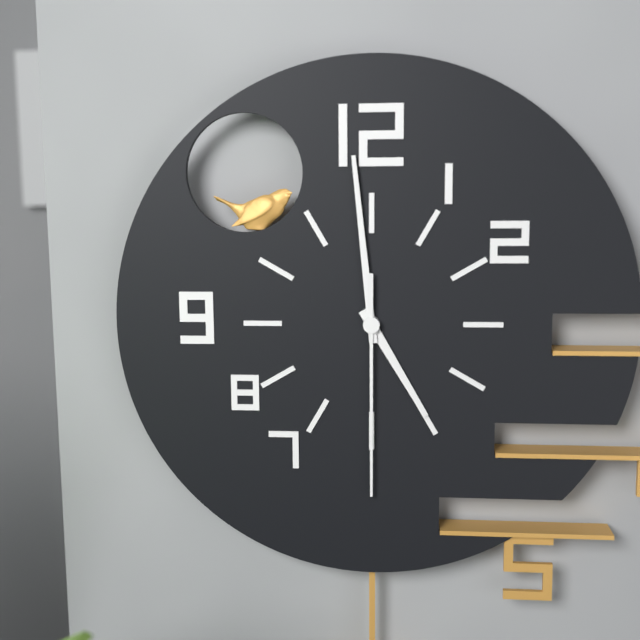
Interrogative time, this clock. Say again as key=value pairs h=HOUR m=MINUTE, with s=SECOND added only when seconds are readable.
h=4 m=59 s=30
